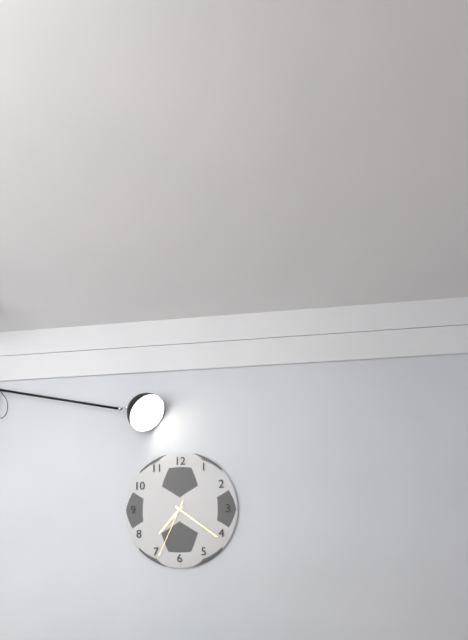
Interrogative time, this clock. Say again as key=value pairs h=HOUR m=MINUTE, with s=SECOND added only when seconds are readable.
h=7 m=21 s=34
